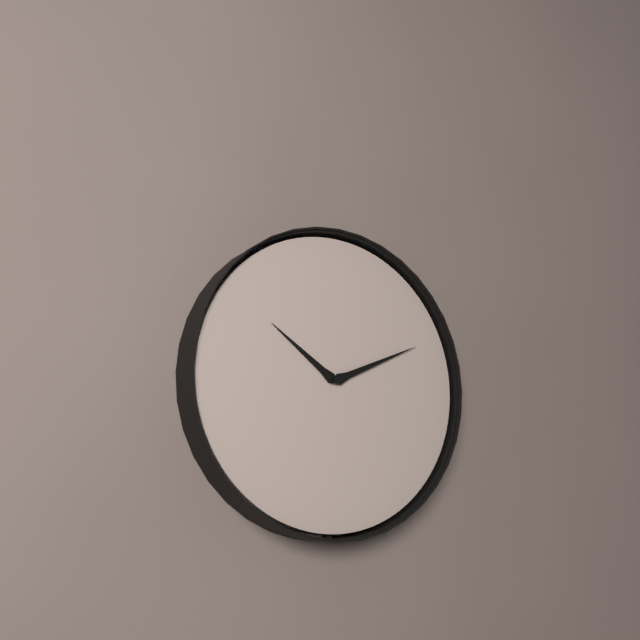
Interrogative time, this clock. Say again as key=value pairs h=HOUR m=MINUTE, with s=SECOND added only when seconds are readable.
h=10 m=11
